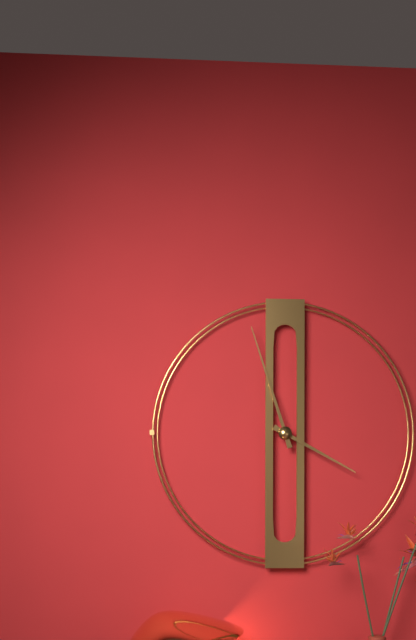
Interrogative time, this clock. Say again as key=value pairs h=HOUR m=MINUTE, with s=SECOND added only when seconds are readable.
h=3 m=57
